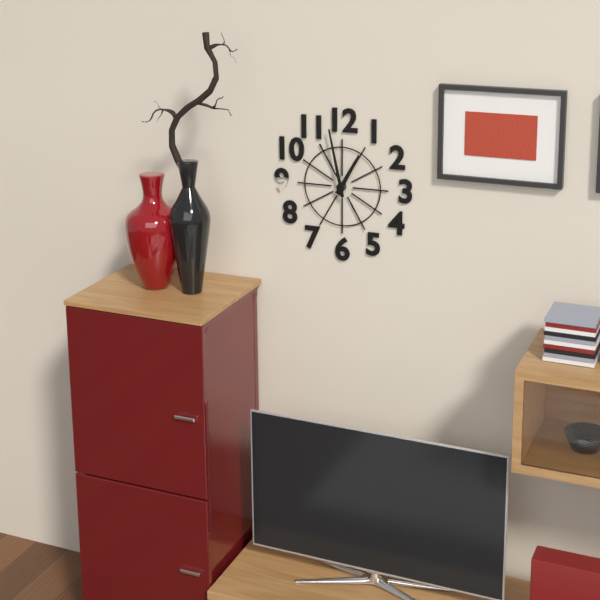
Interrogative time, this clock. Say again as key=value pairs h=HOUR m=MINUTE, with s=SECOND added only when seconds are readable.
h=12 m=58
